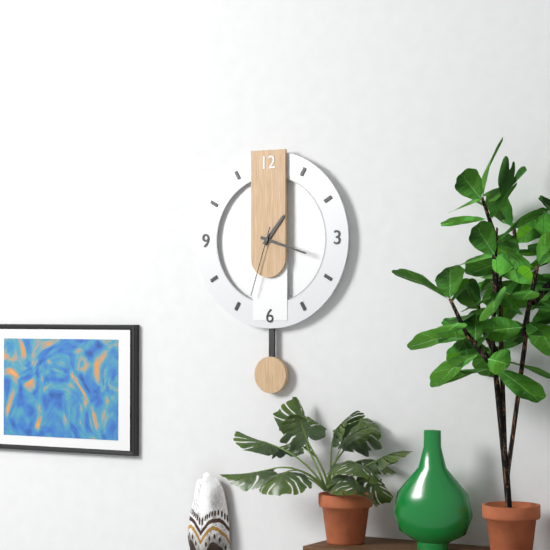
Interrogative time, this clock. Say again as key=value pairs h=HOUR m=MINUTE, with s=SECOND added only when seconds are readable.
h=1 m=18 s=33
